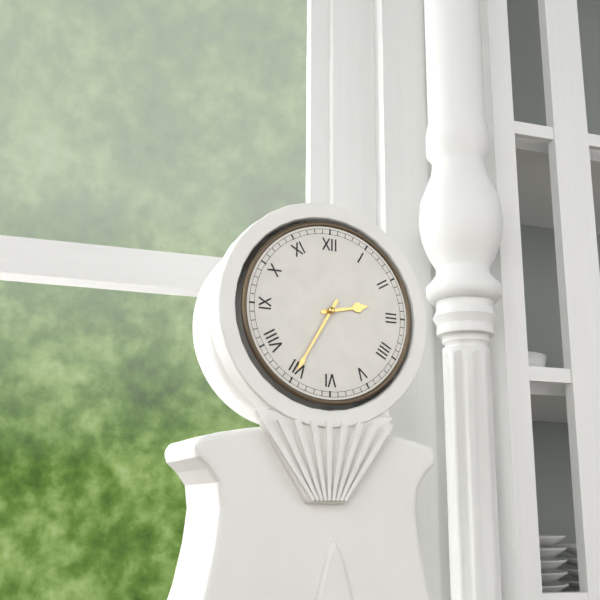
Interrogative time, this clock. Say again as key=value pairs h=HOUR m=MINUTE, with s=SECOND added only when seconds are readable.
h=2 m=35
